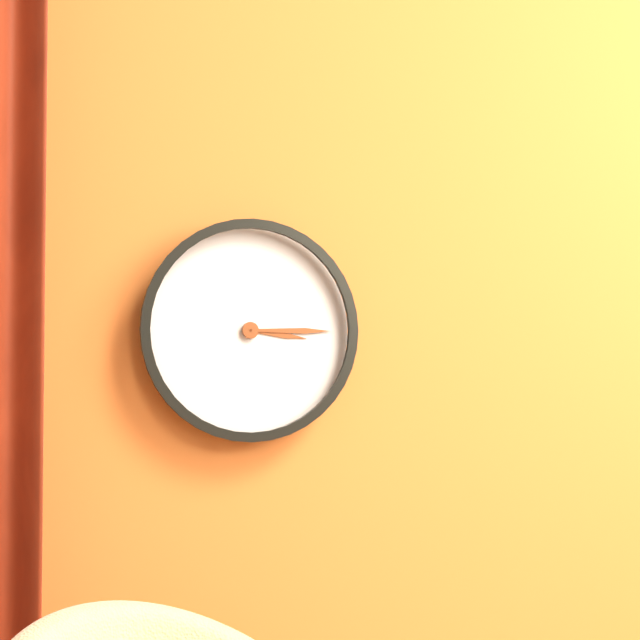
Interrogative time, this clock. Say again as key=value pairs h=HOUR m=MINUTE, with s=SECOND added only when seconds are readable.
h=3 m=15
